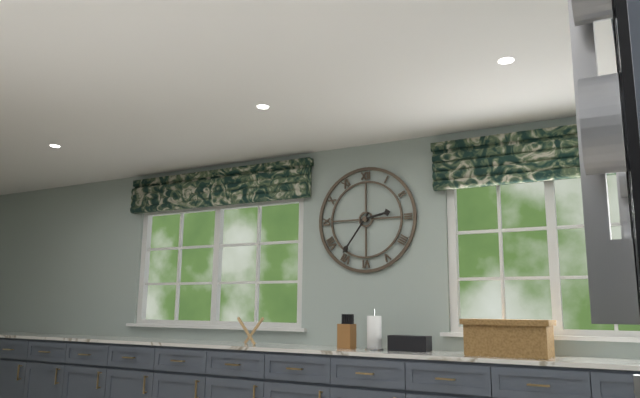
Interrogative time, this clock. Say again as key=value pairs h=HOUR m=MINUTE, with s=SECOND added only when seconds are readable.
h=2 m=36
